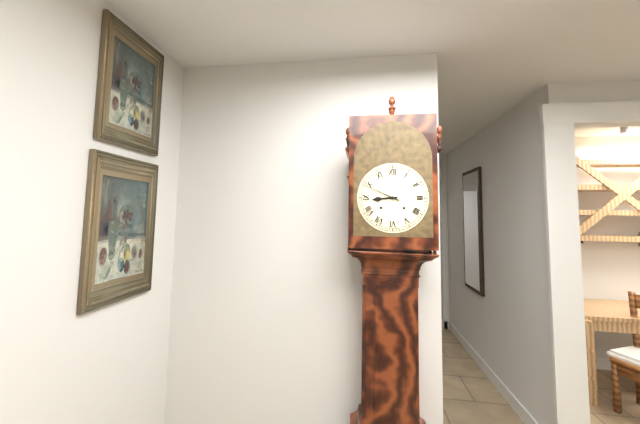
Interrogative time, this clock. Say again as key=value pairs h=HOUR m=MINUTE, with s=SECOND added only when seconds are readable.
h=8 m=49
